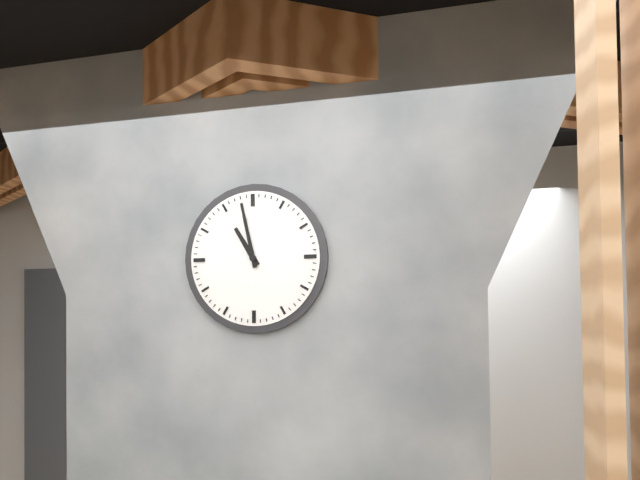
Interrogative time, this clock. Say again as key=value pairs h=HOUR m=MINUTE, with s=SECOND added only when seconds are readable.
h=10 m=58
